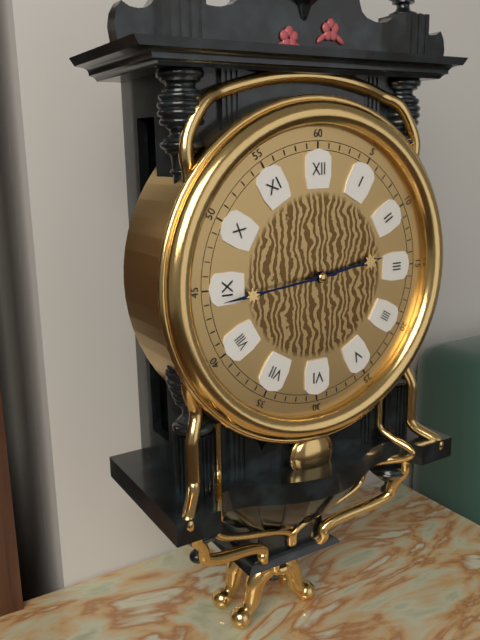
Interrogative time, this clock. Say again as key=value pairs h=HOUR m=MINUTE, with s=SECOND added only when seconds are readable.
h=2 m=44
